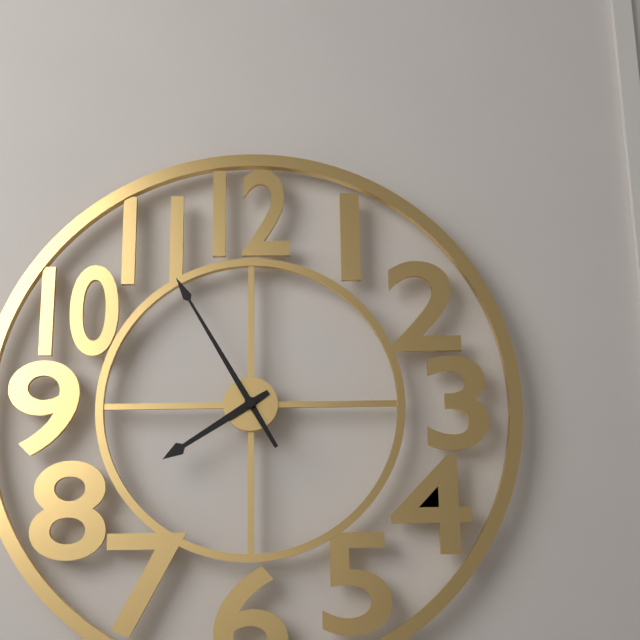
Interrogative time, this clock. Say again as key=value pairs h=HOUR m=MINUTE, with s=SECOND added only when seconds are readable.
h=7 m=55
